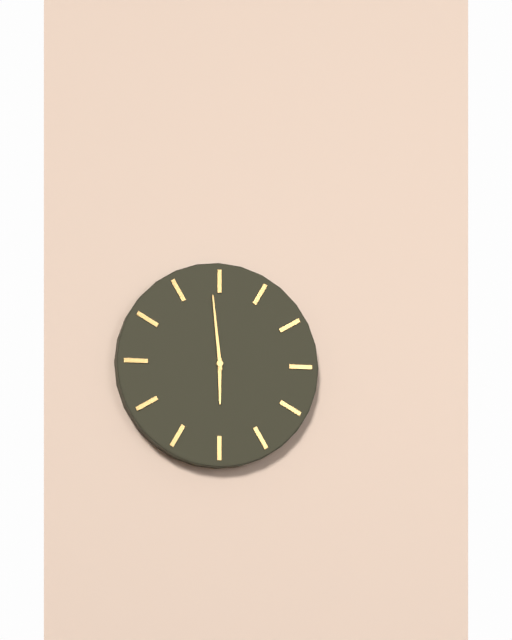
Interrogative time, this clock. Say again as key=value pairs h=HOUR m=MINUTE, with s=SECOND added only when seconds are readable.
h=5 m=59
